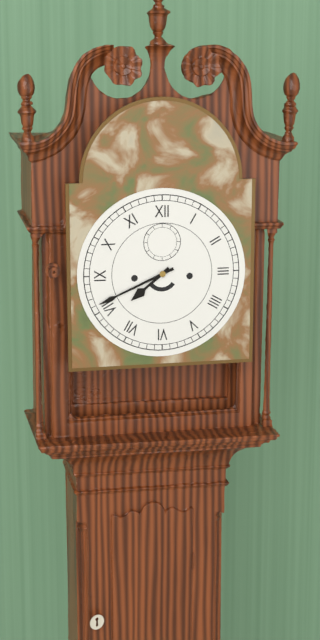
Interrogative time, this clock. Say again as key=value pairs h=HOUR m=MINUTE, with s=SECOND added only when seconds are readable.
h=7 m=41
